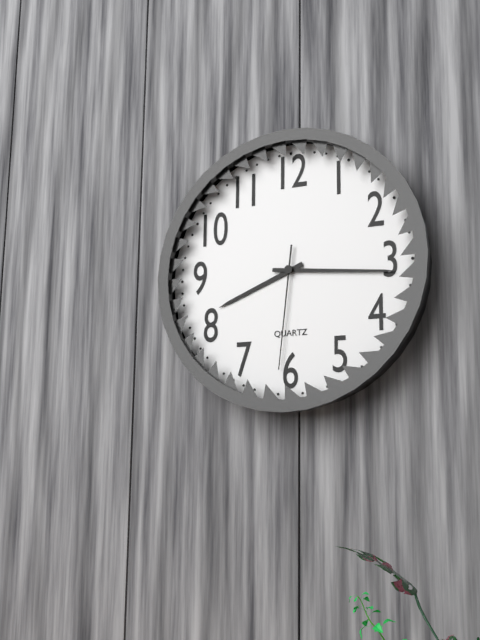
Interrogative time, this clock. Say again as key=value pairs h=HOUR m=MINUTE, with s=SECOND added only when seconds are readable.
h=8 m=16 s=31
